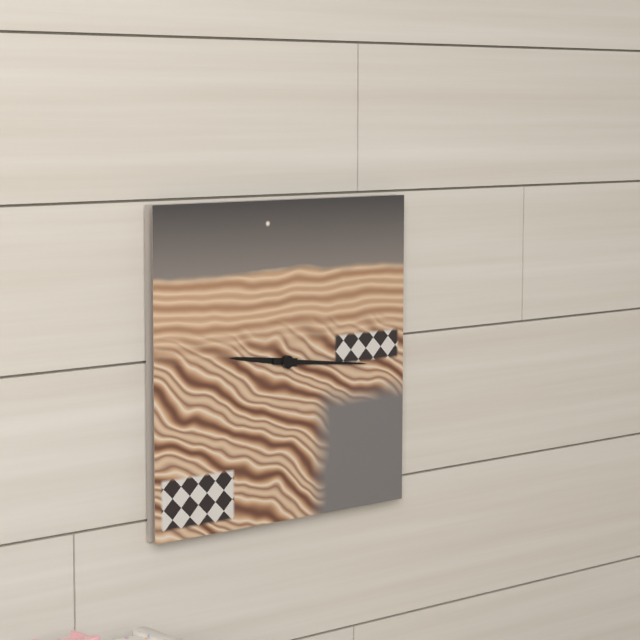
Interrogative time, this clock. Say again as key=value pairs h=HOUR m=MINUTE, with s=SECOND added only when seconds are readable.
h=9 m=16
